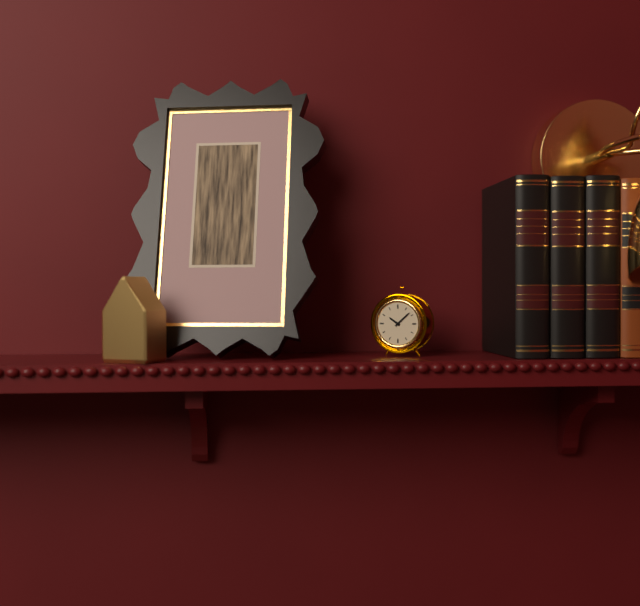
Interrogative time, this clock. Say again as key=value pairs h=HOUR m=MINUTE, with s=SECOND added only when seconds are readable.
h=10 m=8
